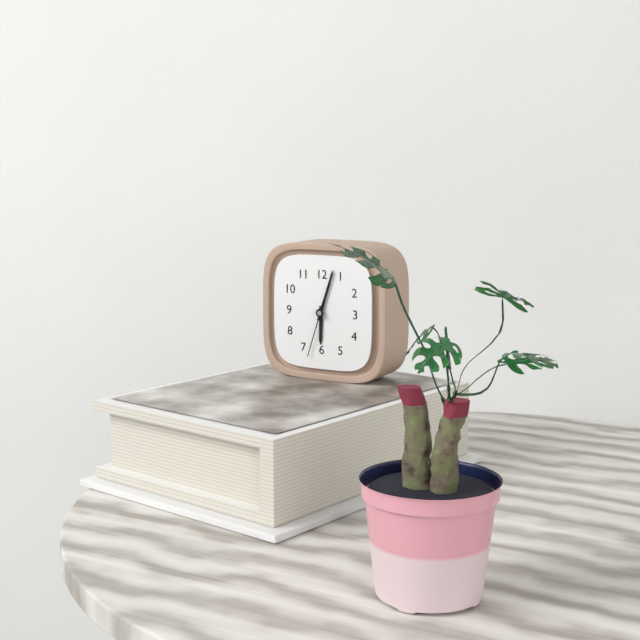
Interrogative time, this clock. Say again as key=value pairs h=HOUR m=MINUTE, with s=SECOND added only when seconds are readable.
h=6 m=3 s=33
